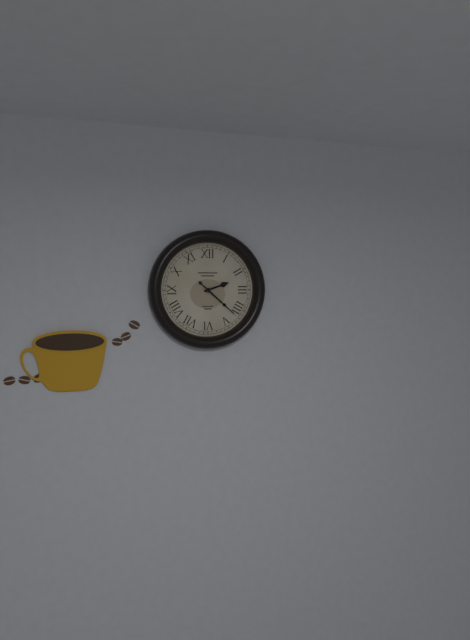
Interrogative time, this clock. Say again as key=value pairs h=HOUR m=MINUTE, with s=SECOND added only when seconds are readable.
h=2 m=22
